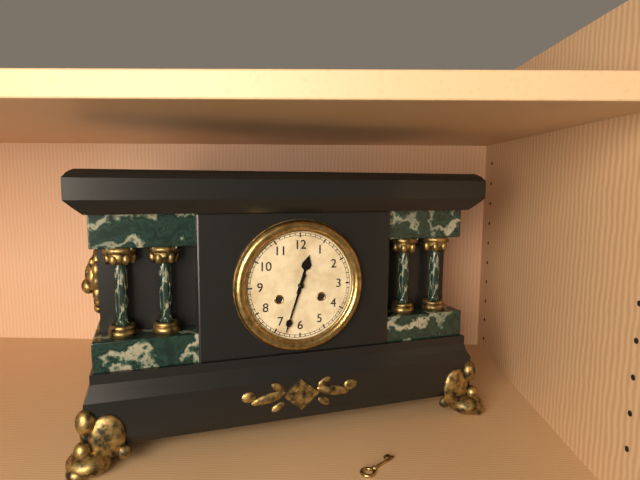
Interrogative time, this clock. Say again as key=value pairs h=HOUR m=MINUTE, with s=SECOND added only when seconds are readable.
h=12 m=33
